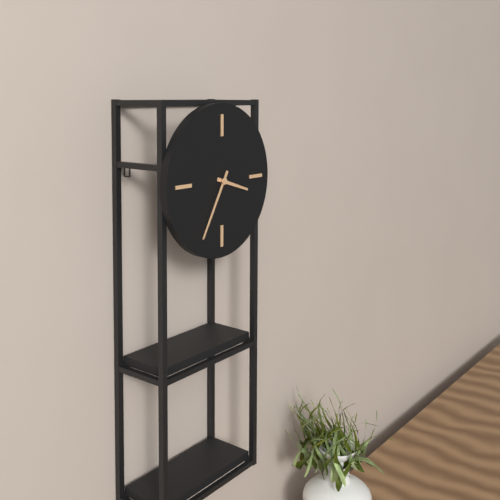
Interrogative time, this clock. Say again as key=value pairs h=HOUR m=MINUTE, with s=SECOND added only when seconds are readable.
h=3 m=35
